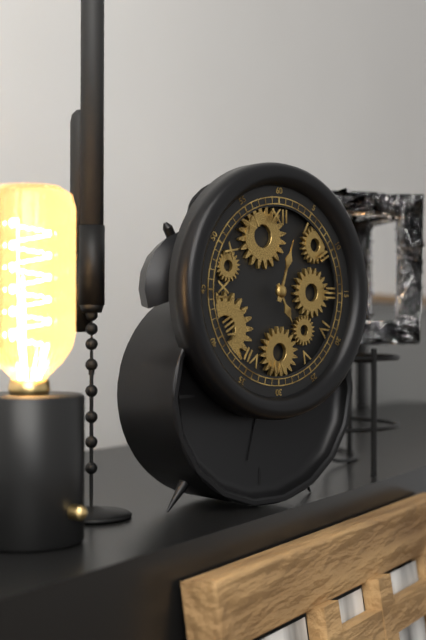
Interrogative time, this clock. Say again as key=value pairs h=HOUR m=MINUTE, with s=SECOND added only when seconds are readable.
h=5 m=3
